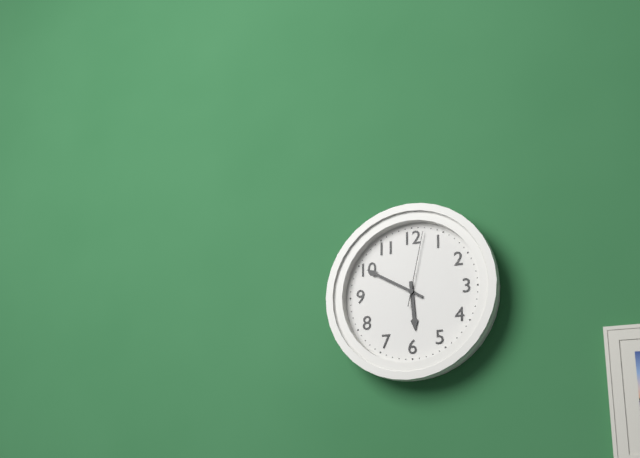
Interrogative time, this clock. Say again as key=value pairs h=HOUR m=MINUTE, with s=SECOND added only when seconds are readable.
h=5 m=50 s=2
